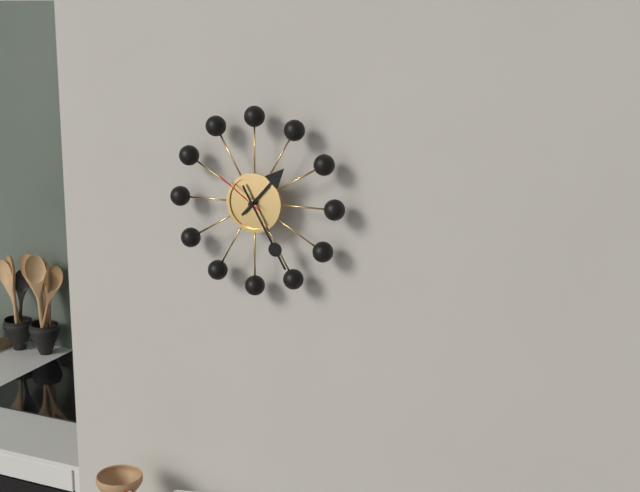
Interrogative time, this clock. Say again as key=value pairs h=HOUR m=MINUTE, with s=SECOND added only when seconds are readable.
h=1 m=25 s=51
